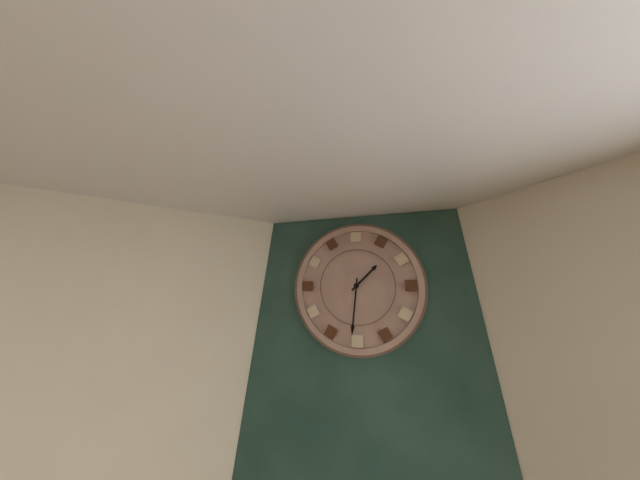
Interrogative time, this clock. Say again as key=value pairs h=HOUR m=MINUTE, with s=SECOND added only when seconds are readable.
h=1 m=31
